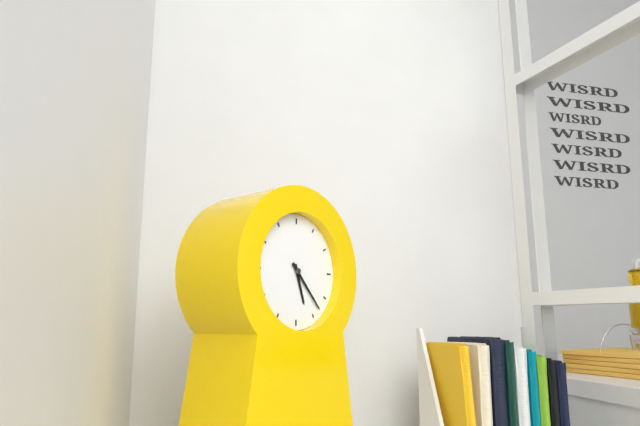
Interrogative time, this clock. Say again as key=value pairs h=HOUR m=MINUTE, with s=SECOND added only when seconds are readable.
h=5 m=23
